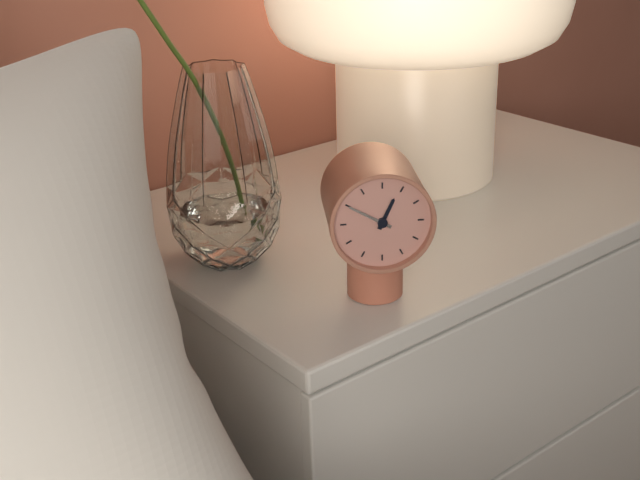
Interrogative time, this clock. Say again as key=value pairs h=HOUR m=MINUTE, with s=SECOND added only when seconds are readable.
h=12 m=50
